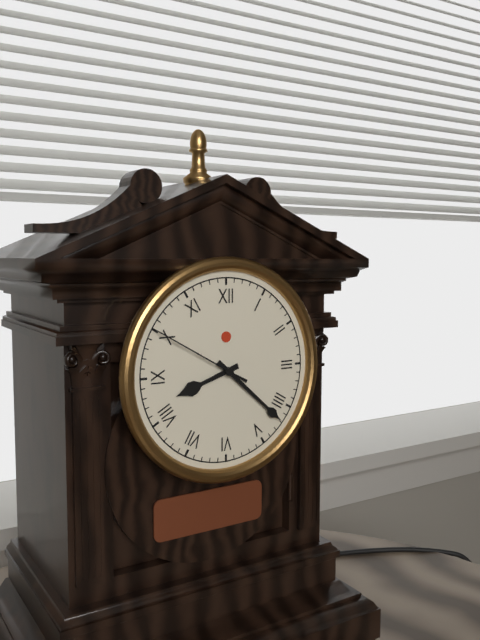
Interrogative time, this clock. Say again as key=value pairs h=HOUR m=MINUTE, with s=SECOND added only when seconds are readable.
h=8 m=22 s=50
